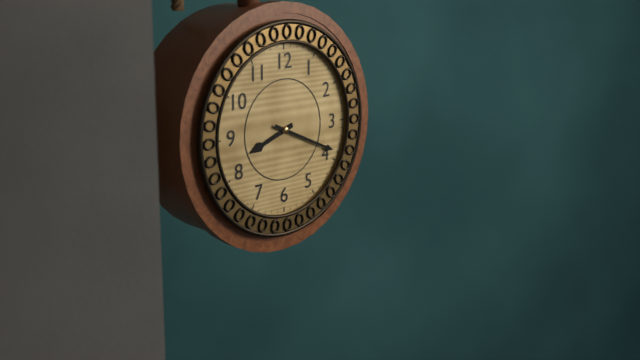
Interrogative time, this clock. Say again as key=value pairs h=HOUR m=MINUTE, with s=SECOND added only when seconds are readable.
h=8 m=19
